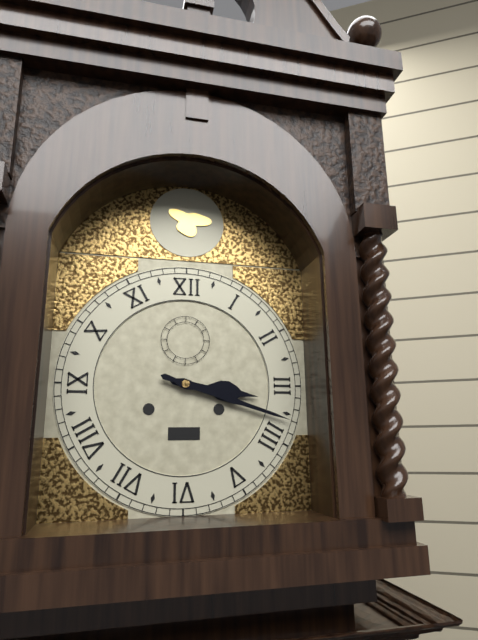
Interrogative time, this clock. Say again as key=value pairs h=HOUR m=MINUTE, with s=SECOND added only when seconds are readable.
h=3 m=18
